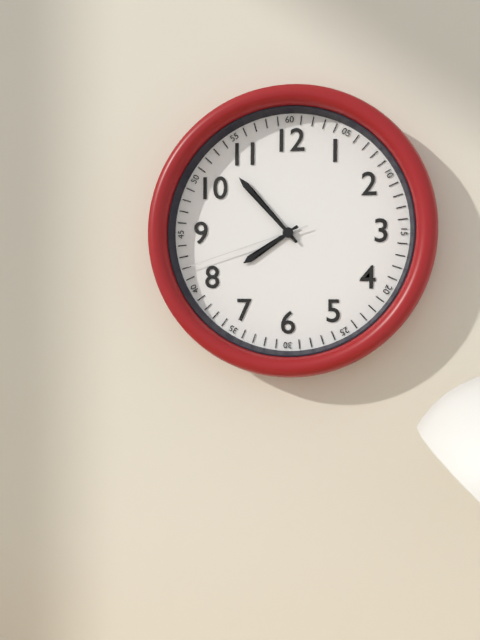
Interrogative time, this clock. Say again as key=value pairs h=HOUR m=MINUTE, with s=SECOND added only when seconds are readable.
h=7 m=53 s=42
